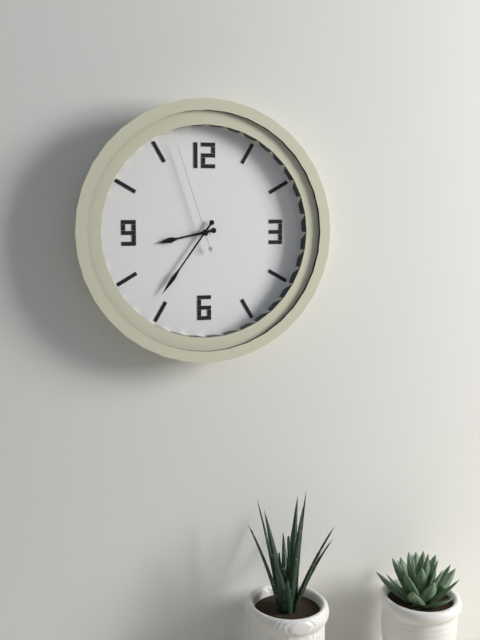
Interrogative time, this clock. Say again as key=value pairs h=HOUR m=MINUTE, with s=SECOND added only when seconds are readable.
h=8 m=36 s=57
